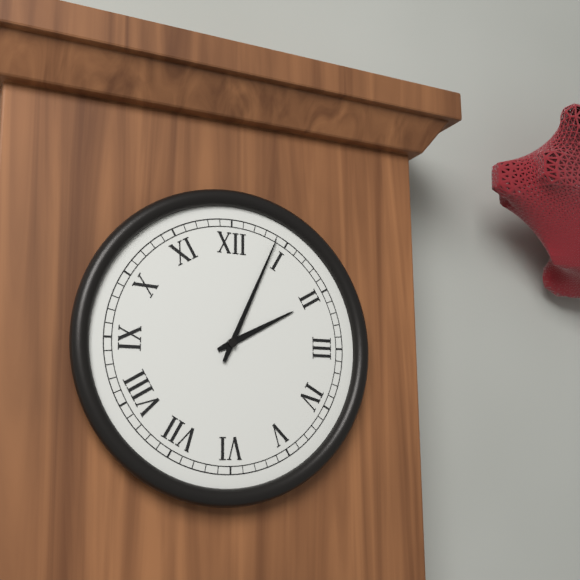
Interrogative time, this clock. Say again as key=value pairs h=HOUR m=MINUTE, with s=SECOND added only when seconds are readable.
h=2 m=4
